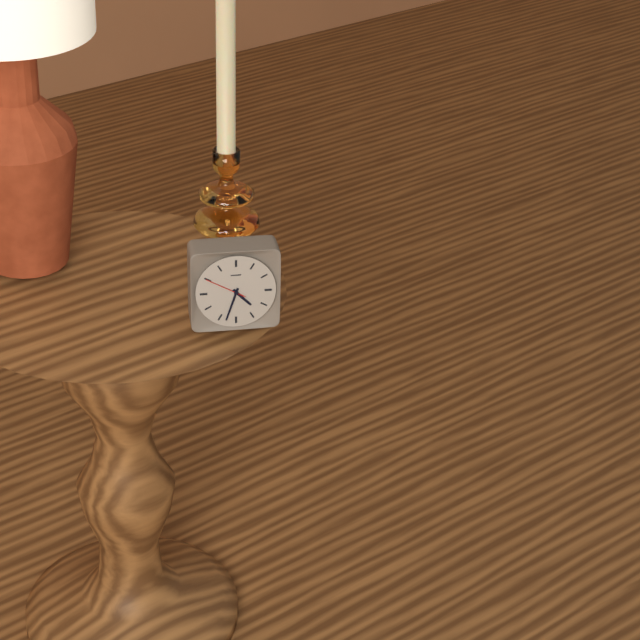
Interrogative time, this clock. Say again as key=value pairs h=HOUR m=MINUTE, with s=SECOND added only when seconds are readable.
h=4 m=33
